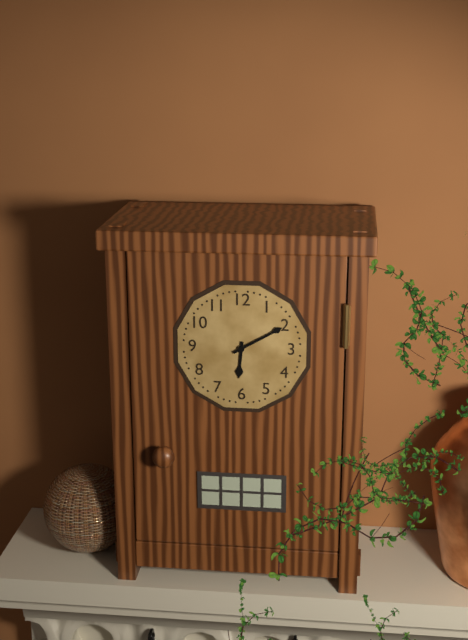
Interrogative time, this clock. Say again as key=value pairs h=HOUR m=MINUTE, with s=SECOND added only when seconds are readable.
h=6 m=10
